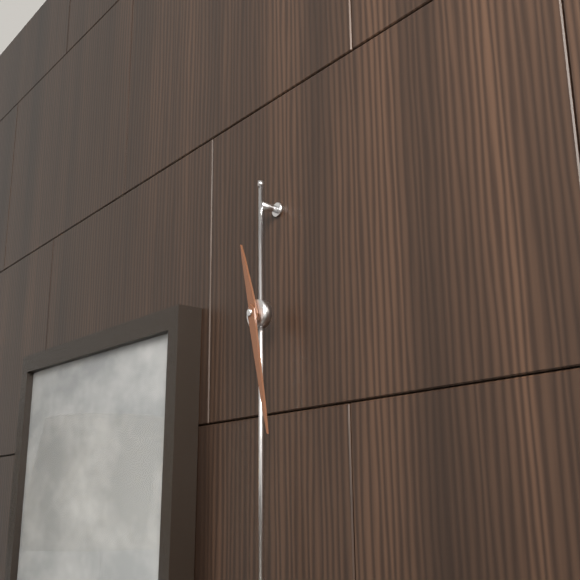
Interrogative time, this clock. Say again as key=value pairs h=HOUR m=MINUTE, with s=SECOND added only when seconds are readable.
h=11 m=28
